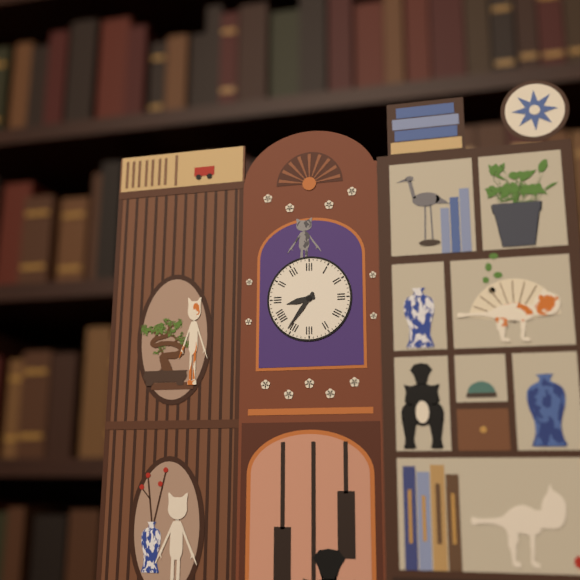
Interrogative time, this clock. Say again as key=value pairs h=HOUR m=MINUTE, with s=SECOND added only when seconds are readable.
h=8 m=36
